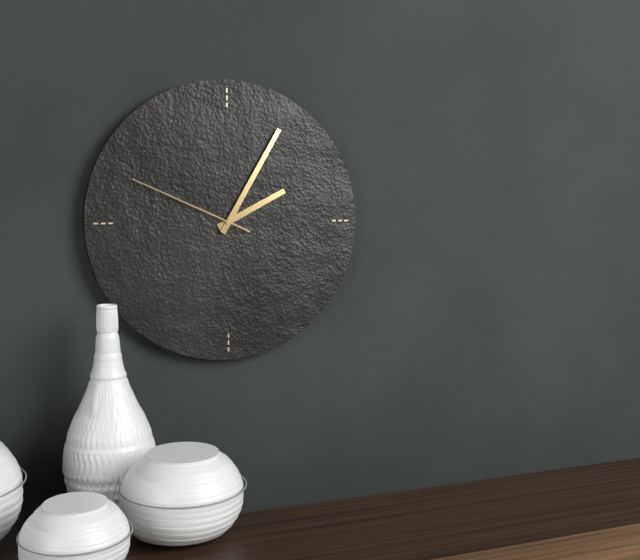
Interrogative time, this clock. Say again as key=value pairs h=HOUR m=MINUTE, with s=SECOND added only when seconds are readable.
h=2 m=5 s=49
